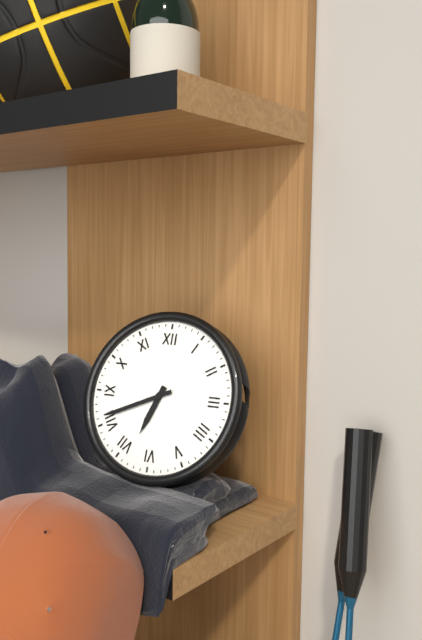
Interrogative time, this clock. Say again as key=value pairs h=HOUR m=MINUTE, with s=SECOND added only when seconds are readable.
h=6 m=41
